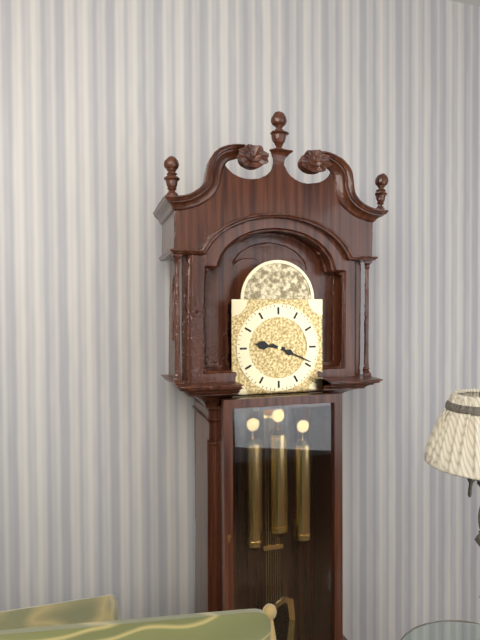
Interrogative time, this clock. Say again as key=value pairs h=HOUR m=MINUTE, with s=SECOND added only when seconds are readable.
h=9 m=19
